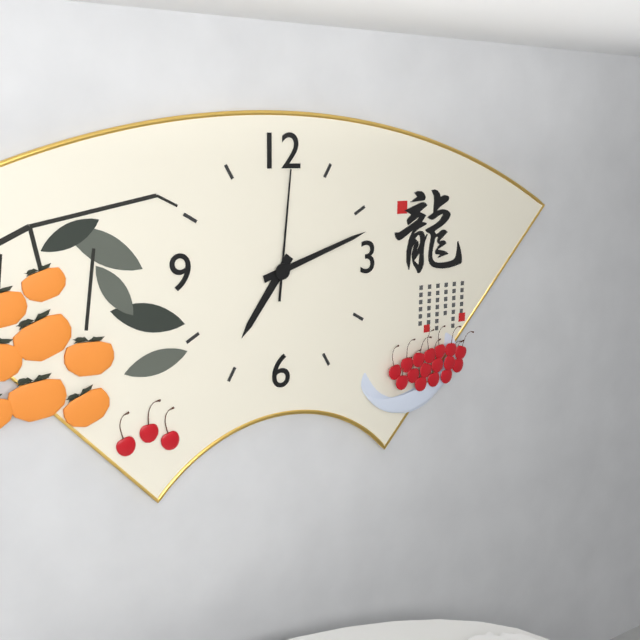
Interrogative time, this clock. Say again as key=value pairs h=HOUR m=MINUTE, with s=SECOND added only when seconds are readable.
h=7 m=12 s=1
